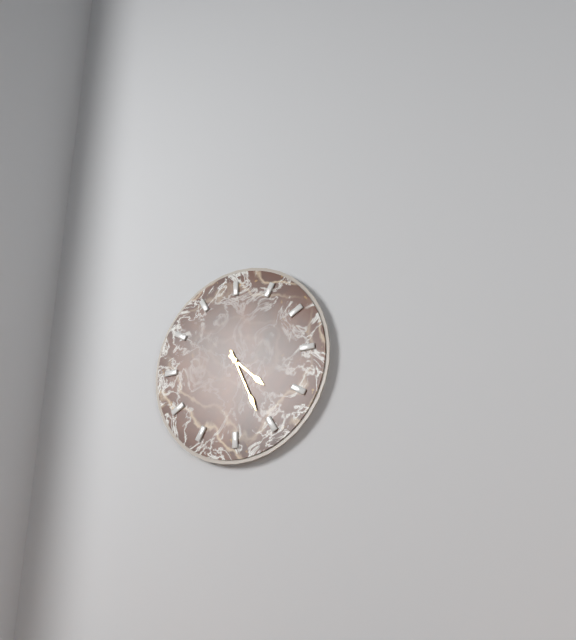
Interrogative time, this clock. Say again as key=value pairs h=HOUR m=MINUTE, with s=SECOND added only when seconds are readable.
h=4 m=26
